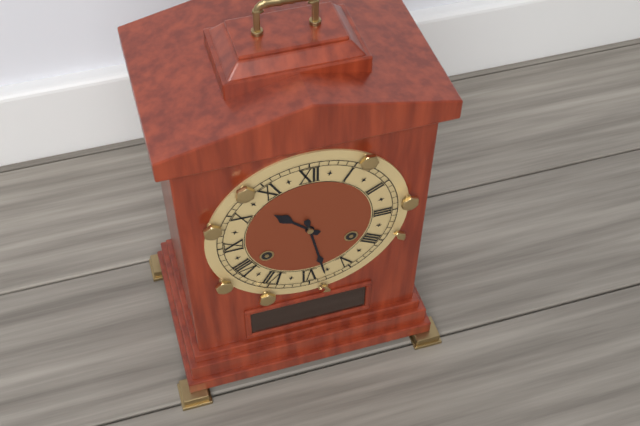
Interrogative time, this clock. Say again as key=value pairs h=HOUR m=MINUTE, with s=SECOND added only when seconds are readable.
h=10 m=28
